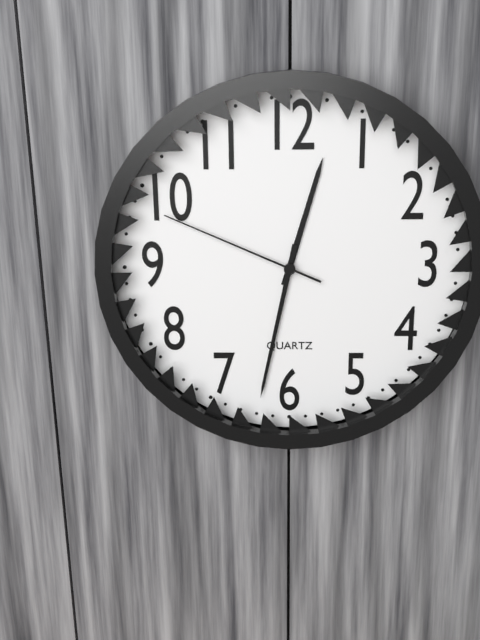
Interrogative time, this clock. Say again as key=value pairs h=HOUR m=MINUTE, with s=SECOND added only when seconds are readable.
h=12 m=32 s=49
